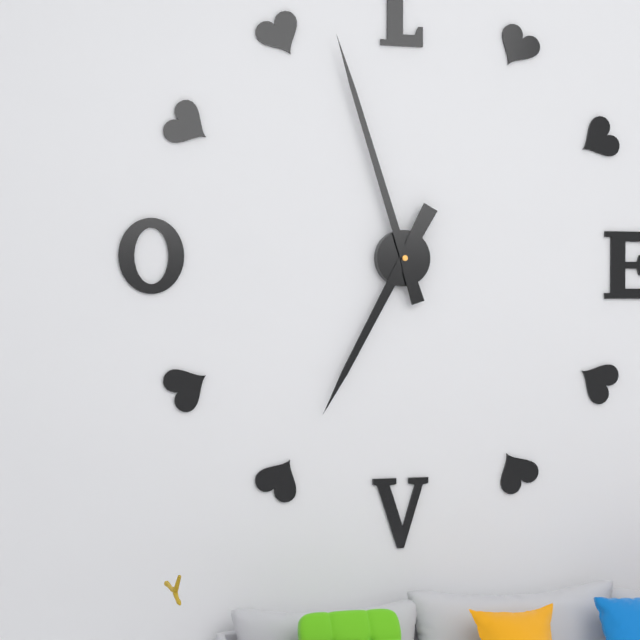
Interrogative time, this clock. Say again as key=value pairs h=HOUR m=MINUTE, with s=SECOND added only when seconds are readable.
h=6 m=57
